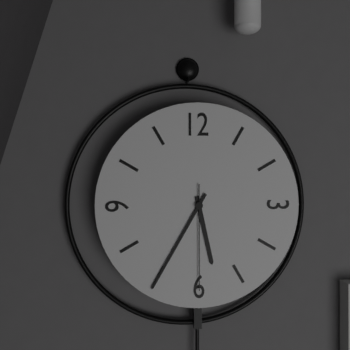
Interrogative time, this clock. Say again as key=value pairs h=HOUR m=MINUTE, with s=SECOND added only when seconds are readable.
h=5 m=35 s=30
